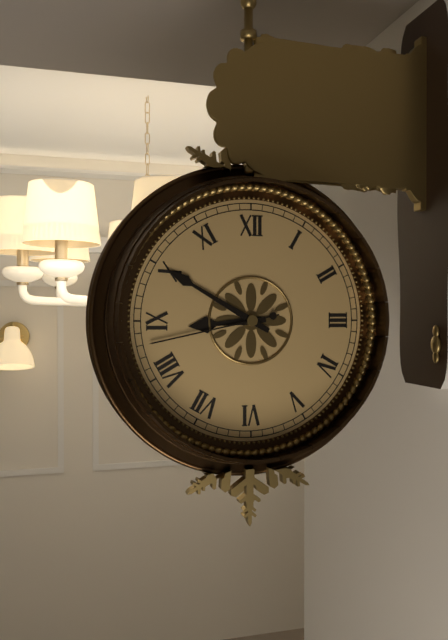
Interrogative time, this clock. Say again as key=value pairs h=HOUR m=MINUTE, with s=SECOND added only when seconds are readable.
h=8 m=50 s=43
